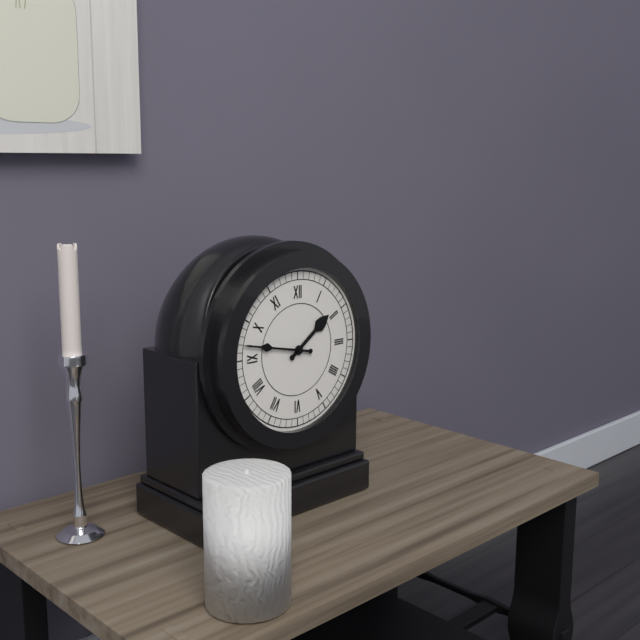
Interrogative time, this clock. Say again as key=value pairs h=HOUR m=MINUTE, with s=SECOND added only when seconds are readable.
h=1 m=47
